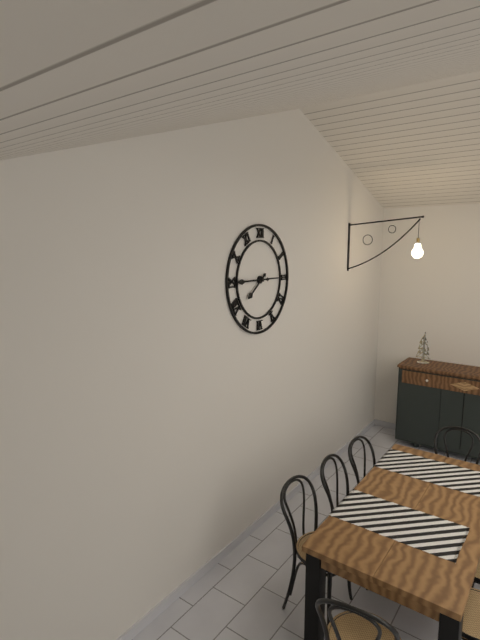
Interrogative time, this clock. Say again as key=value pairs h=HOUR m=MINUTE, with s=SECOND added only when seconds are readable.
h=7 m=45
